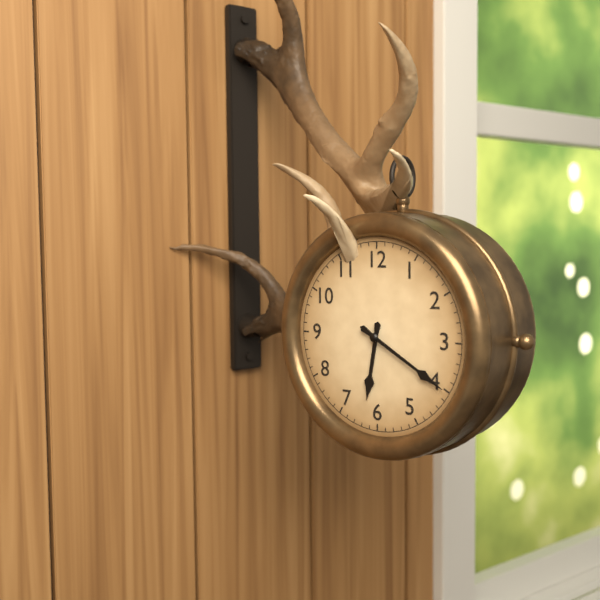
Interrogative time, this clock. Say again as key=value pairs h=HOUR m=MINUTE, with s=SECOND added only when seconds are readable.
h=6 m=20
